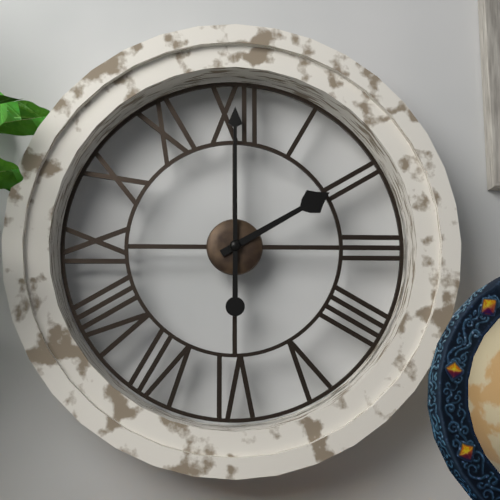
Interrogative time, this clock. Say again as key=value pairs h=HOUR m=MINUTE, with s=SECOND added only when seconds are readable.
h=2 m=0
